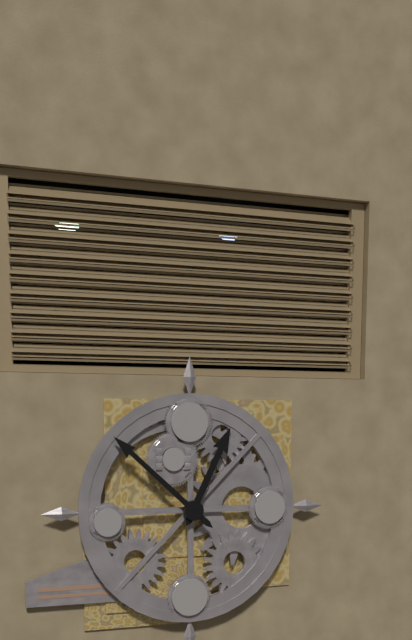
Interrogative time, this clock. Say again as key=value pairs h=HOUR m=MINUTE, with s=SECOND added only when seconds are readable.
h=12 m=52
